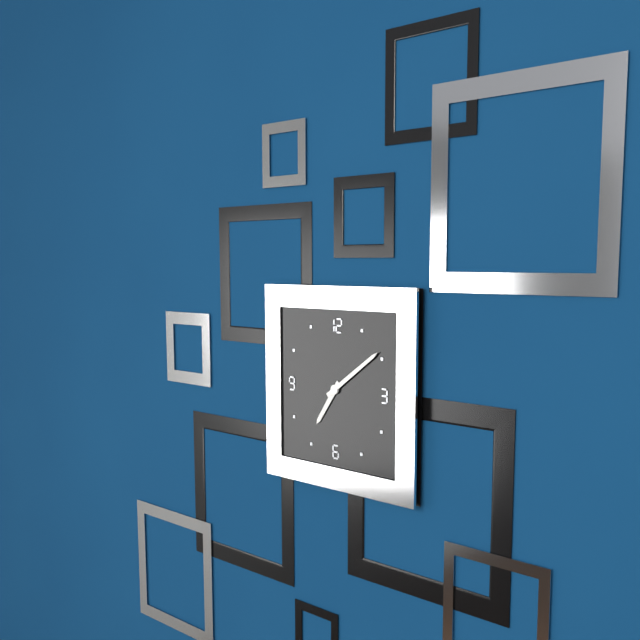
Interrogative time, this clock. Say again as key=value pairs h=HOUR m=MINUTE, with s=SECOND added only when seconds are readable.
h=7 m=9
